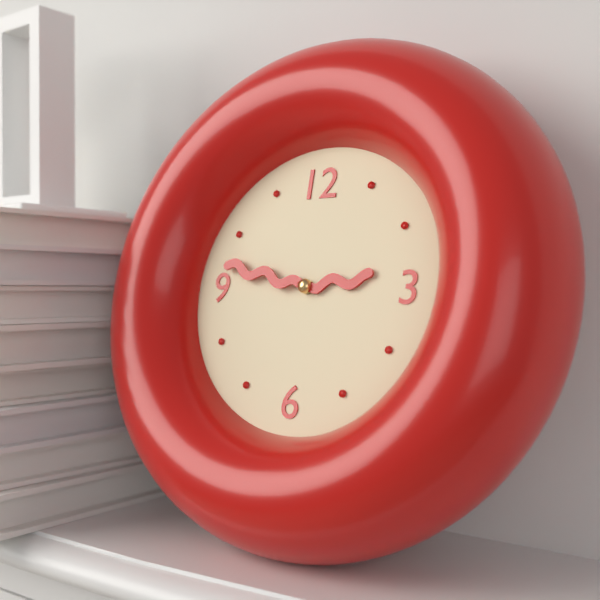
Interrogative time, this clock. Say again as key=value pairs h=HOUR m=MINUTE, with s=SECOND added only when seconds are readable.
h=2 m=47
